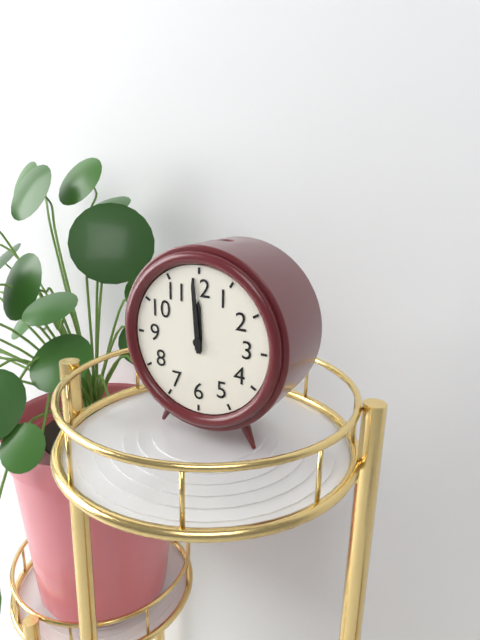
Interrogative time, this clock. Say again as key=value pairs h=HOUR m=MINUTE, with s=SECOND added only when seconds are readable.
h=11 m=59
